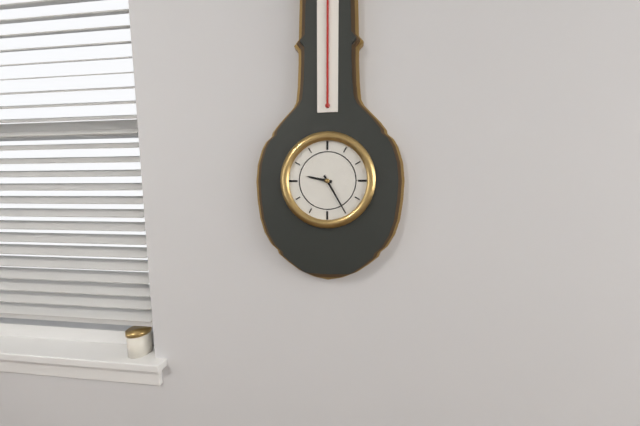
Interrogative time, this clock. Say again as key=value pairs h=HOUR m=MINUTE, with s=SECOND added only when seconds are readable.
h=9 m=25
